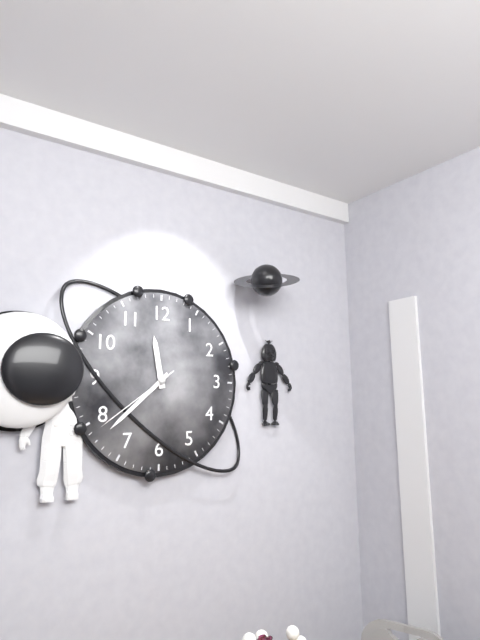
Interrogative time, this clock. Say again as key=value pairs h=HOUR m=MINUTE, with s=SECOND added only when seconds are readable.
h=11 m=38 s=39
